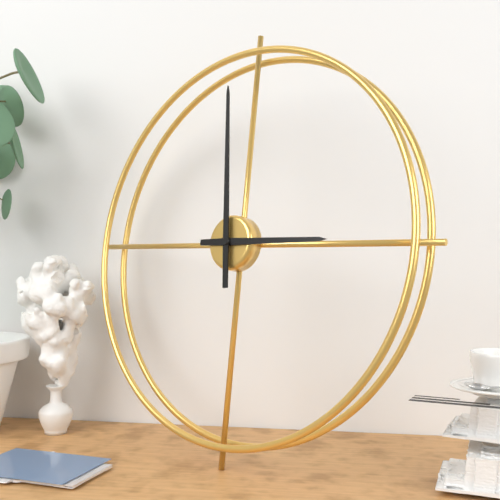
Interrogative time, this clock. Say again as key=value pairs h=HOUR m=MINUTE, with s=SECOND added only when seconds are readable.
h=2 m=59
